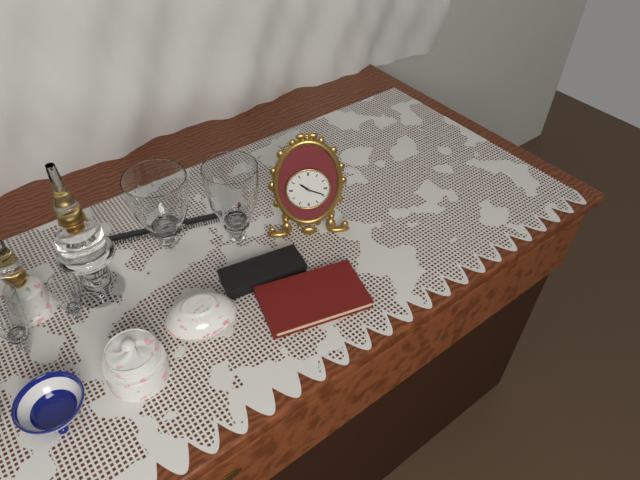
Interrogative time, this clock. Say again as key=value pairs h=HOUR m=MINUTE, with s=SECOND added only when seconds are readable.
h=10 m=19
